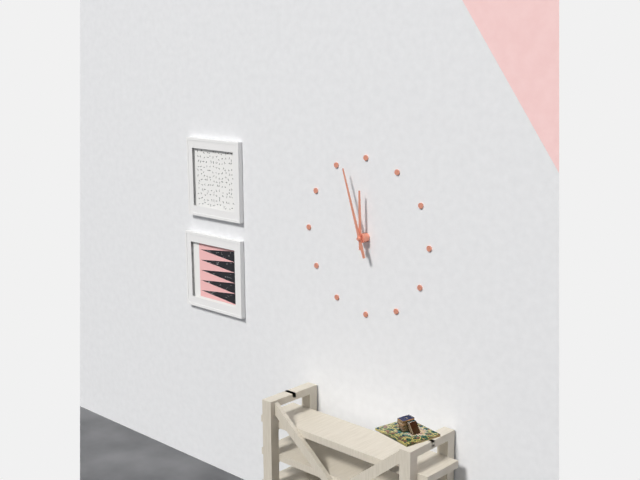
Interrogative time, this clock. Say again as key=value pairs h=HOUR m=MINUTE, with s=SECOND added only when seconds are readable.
h=11 m=57
